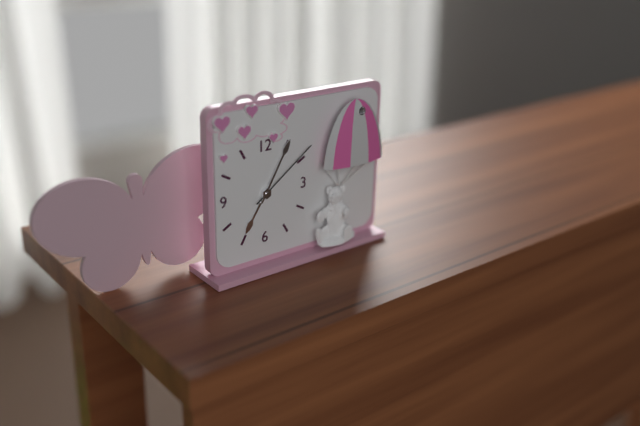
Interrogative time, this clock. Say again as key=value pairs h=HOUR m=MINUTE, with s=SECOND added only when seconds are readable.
h=7 m=5 s=9
